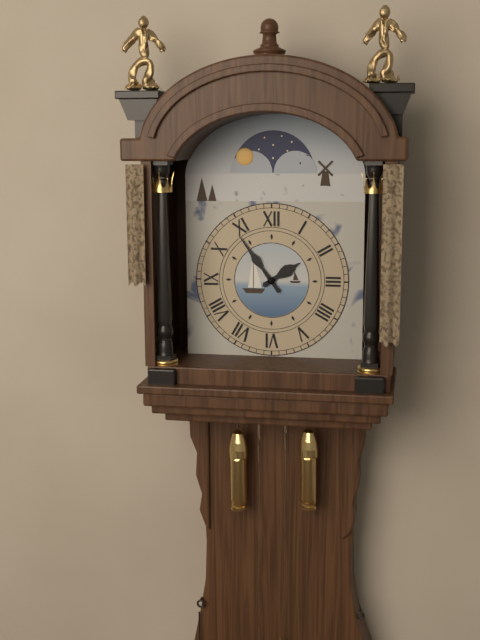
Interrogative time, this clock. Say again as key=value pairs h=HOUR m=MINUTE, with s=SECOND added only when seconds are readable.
h=1 m=54
